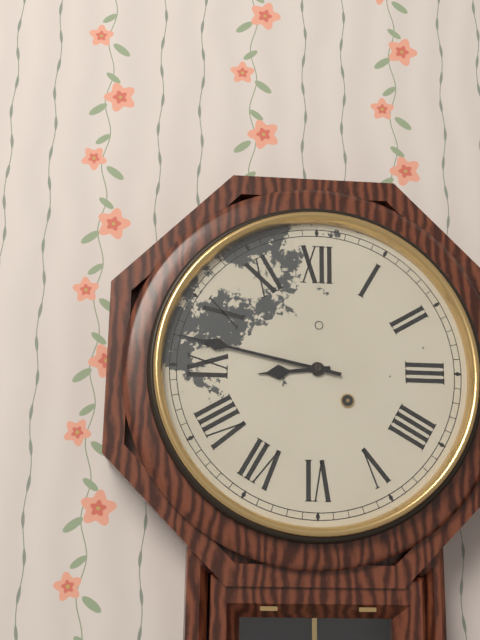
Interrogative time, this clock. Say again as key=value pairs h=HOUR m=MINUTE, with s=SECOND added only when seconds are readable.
h=8 m=47
